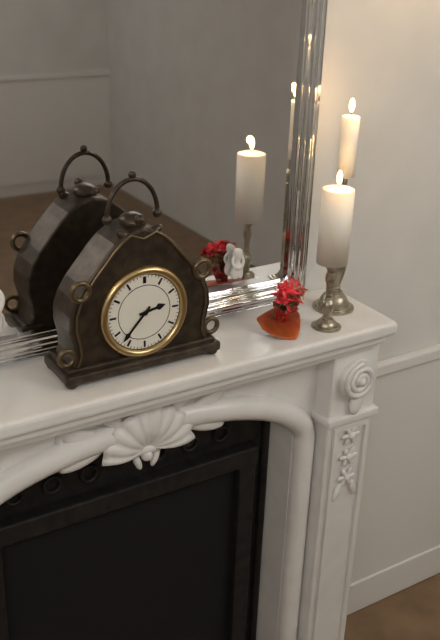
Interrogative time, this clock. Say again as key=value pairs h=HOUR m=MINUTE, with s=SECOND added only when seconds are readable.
h=2 m=37
